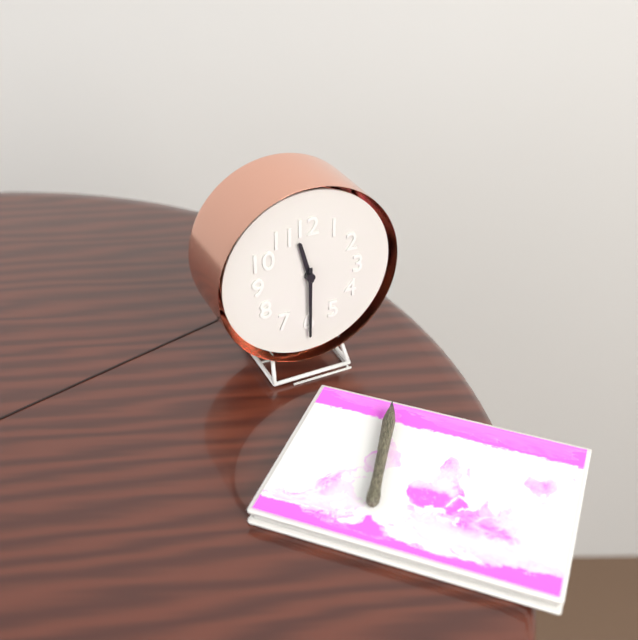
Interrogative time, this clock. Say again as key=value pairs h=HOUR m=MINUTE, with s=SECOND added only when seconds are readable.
h=11 m=30
